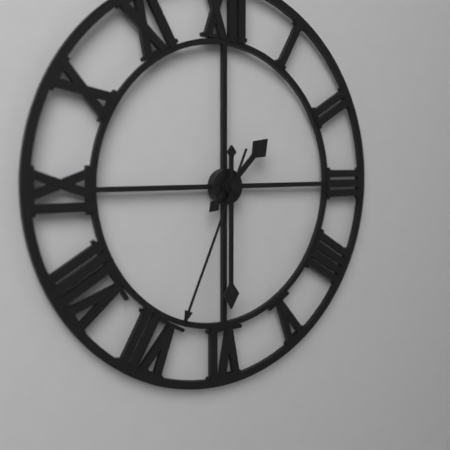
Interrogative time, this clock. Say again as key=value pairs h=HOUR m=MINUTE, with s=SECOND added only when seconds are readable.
h=1 m=30 s=34
